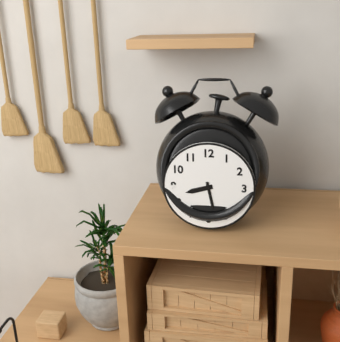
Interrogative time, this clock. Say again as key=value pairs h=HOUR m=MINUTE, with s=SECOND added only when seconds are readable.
h=8 m=28
